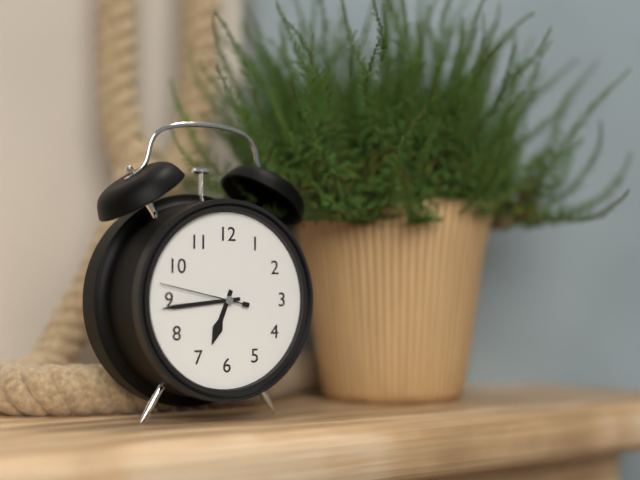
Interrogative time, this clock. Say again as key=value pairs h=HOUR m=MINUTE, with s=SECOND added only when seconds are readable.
h=6 m=44 s=47
